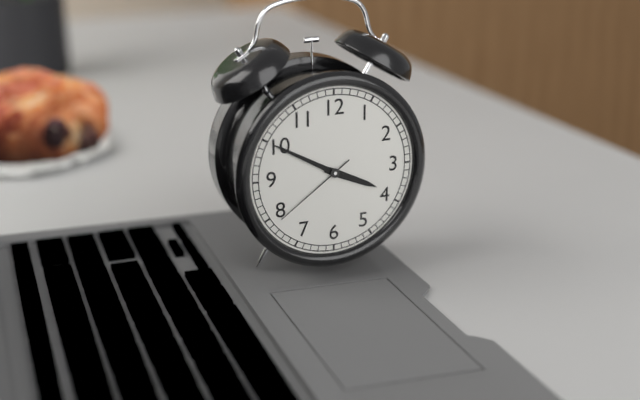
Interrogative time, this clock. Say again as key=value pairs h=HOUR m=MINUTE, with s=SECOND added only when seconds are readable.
h=3 m=50 s=39
